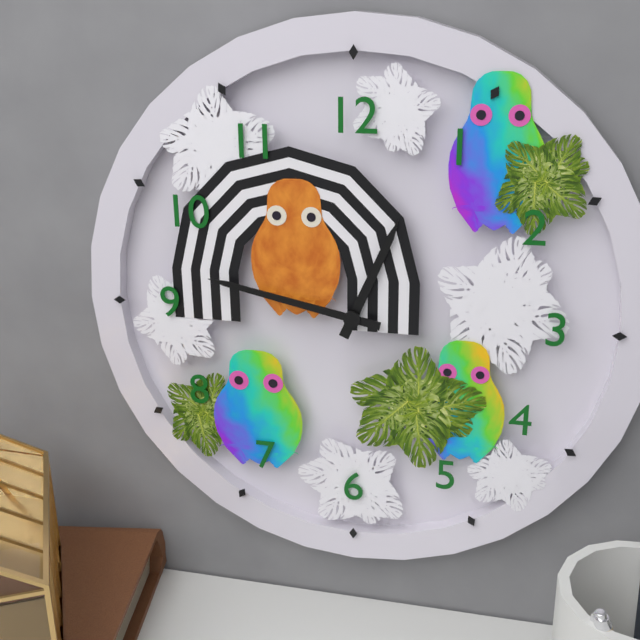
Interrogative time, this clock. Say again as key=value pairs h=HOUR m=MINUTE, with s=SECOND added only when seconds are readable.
h=12 m=47
